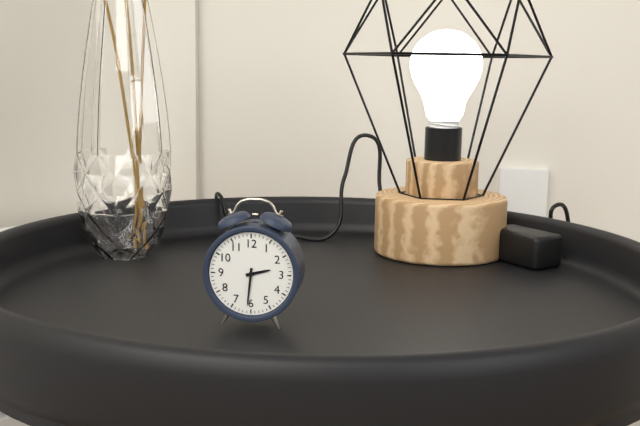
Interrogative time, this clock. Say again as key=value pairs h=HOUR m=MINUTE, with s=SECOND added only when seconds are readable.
h=2 m=31
